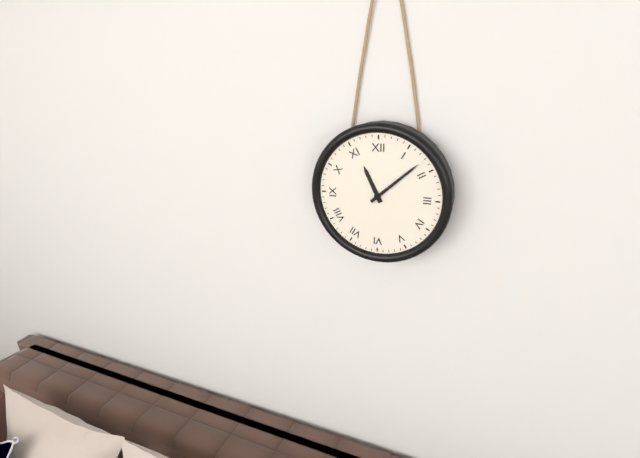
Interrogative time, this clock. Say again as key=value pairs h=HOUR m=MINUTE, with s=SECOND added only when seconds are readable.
h=11 m=8
